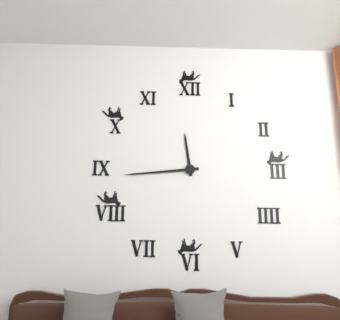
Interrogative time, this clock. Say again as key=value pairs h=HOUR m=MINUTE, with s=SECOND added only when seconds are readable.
h=11 m=44
